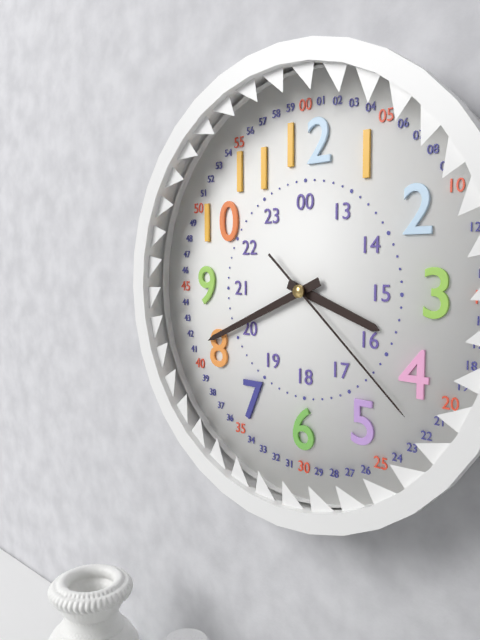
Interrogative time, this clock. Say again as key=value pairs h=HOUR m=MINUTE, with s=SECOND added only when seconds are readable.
h=3 m=41 s=22
